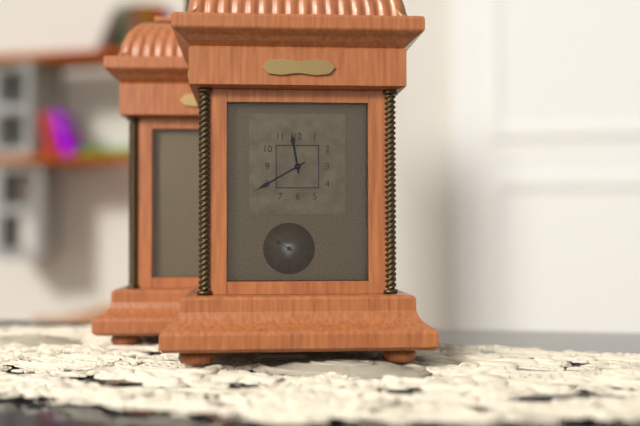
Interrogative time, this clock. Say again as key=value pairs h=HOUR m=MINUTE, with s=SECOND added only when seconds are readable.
h=11 m=40
